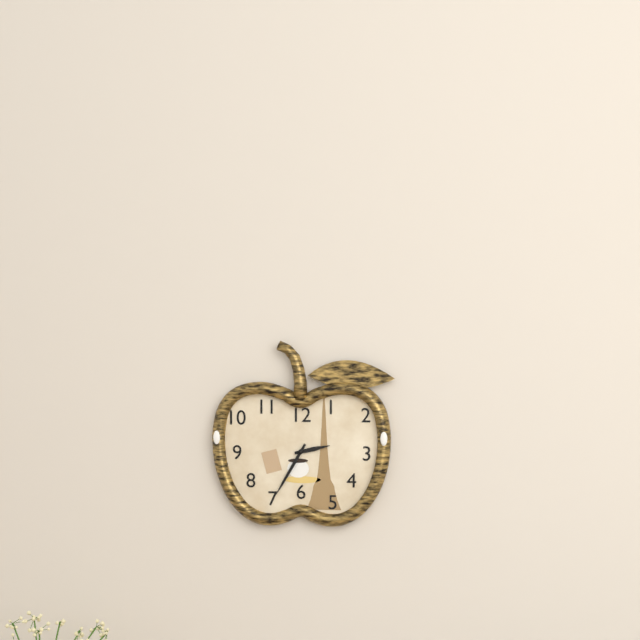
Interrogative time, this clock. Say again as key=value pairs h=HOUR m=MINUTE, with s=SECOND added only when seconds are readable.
h=2 m=35
